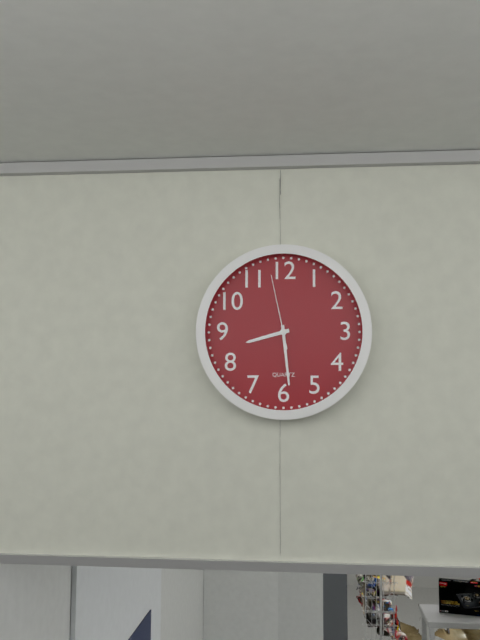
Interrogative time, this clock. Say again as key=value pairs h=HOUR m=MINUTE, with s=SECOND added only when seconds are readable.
h=8 m=29 s=58
